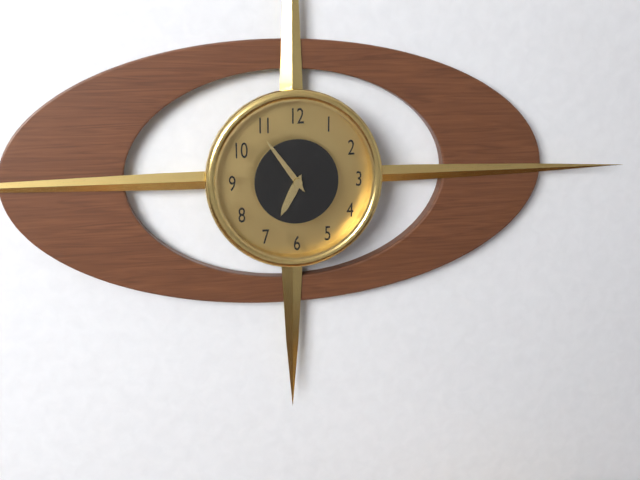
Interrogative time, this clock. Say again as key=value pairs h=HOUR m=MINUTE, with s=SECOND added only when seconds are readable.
h=6 m=54
